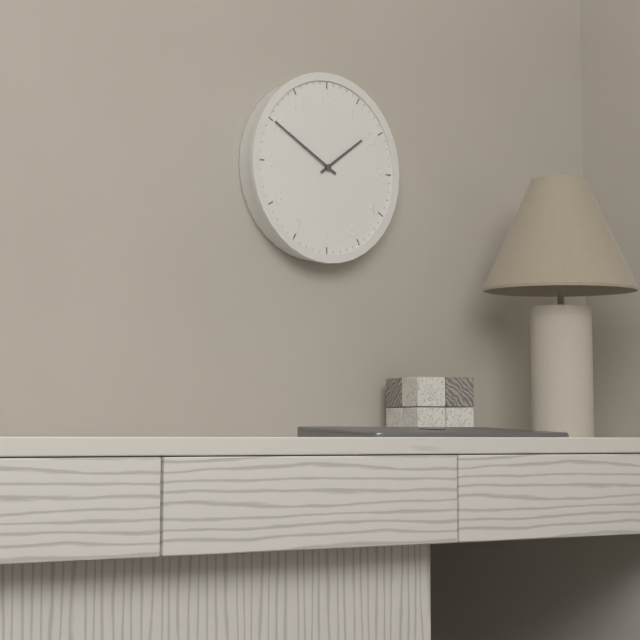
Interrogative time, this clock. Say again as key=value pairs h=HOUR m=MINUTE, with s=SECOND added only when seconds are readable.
h=1 m=50
